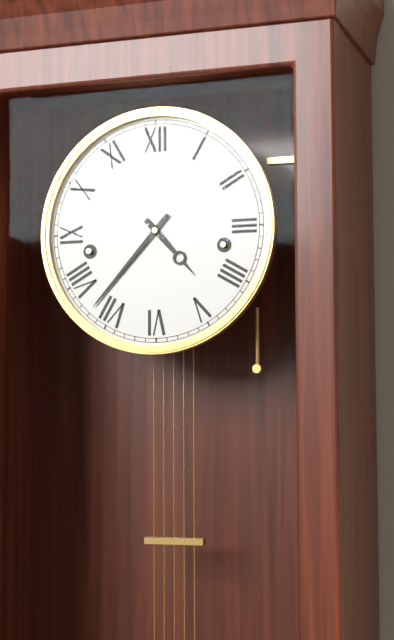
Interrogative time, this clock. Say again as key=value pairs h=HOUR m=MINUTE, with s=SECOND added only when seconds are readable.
h=4 m=37
